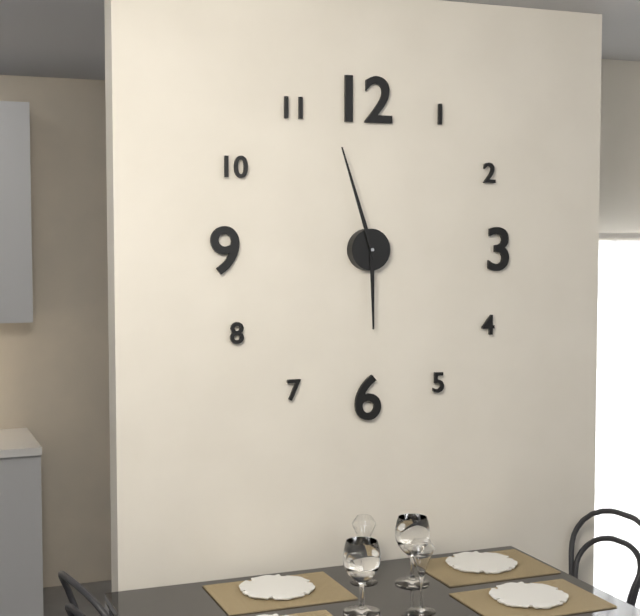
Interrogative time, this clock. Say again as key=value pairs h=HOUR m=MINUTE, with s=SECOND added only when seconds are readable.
h=5 m=57
